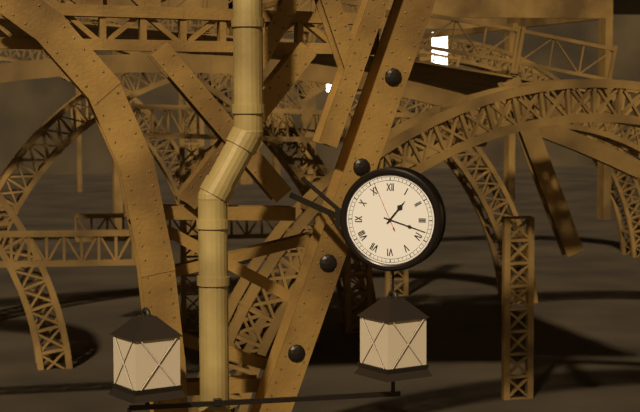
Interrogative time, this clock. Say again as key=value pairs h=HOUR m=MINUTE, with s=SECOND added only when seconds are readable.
h=1 m=18 s=56
